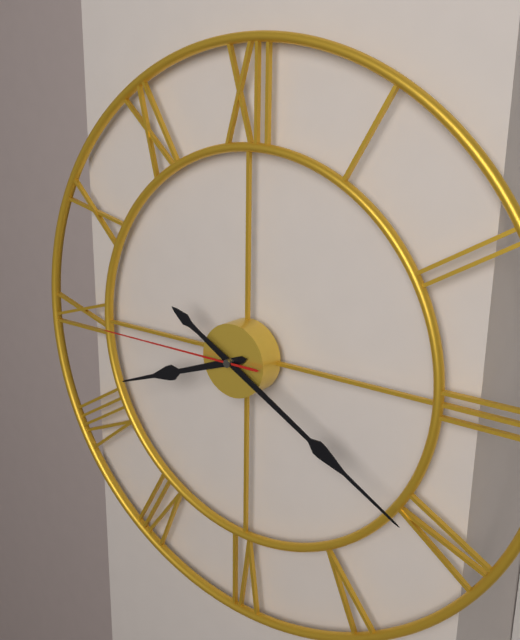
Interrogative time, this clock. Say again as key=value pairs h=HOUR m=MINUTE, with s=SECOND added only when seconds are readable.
h=8 m=20 s=45
